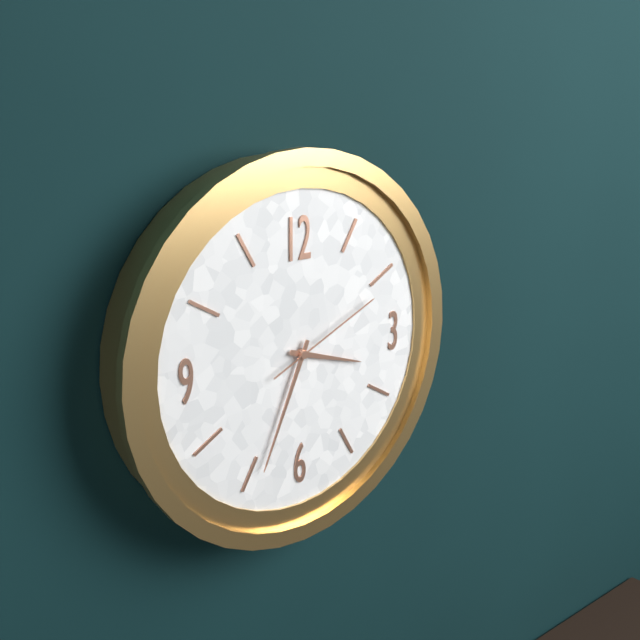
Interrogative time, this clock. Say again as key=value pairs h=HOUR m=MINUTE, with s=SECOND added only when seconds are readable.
h=3 m=34 s=11
